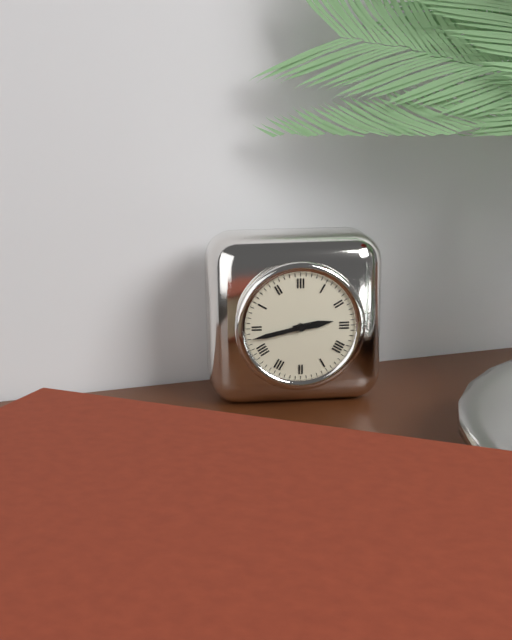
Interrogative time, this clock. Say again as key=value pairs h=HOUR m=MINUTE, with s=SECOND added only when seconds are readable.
h=2 m=43
